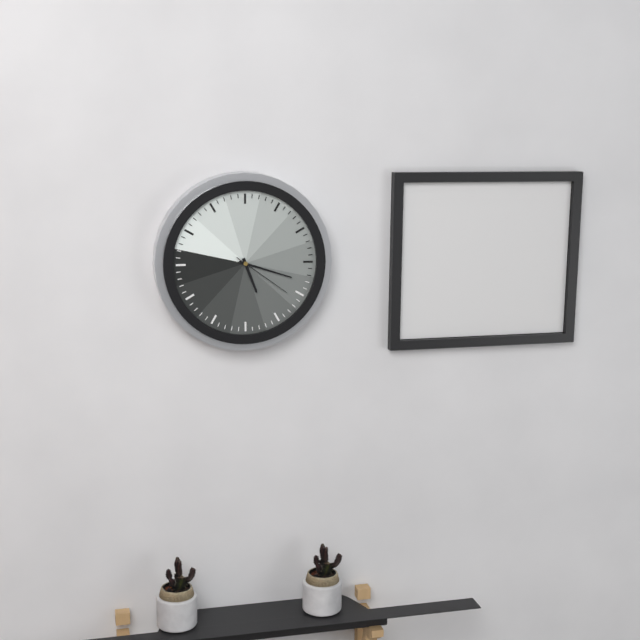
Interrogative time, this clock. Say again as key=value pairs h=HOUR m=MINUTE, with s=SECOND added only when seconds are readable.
h=5 m=18 s=21
